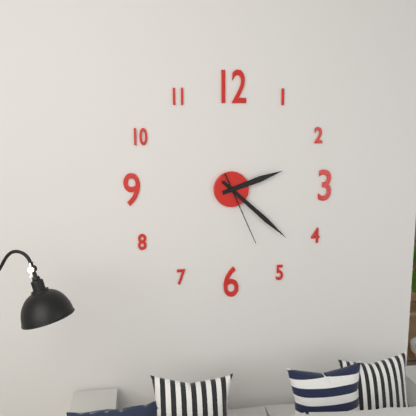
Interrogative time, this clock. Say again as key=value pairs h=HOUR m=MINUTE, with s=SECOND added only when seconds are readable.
h=2 m=22 s=26
